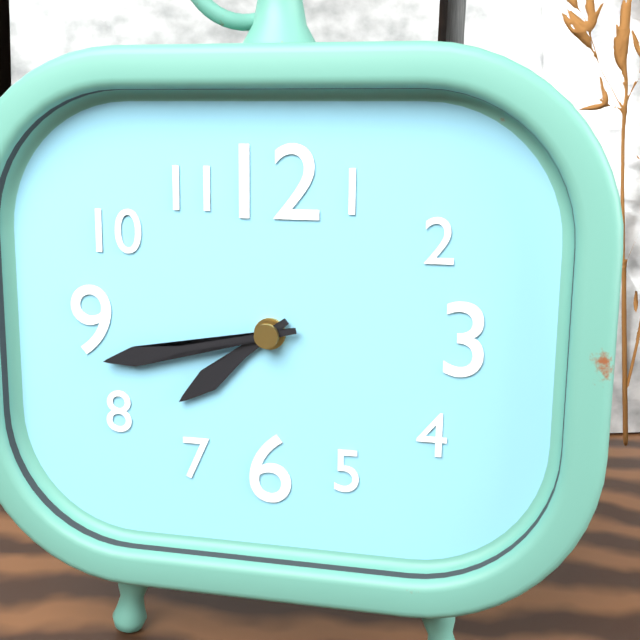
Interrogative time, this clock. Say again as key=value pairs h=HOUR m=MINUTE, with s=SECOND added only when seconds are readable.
h=7 m=43
